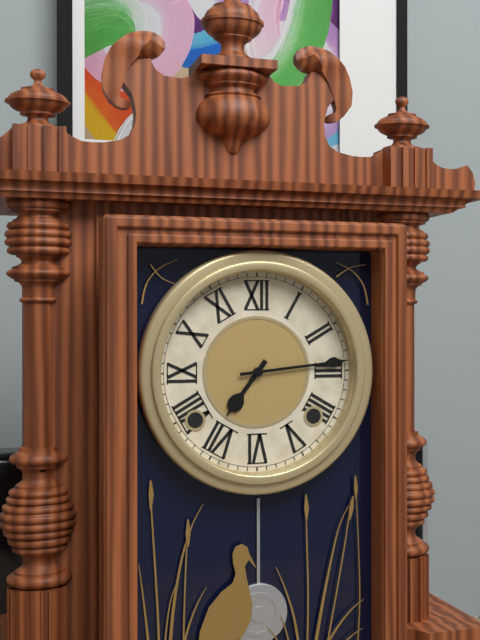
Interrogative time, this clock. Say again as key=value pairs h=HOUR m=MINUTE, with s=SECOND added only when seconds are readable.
h=7 m=14
